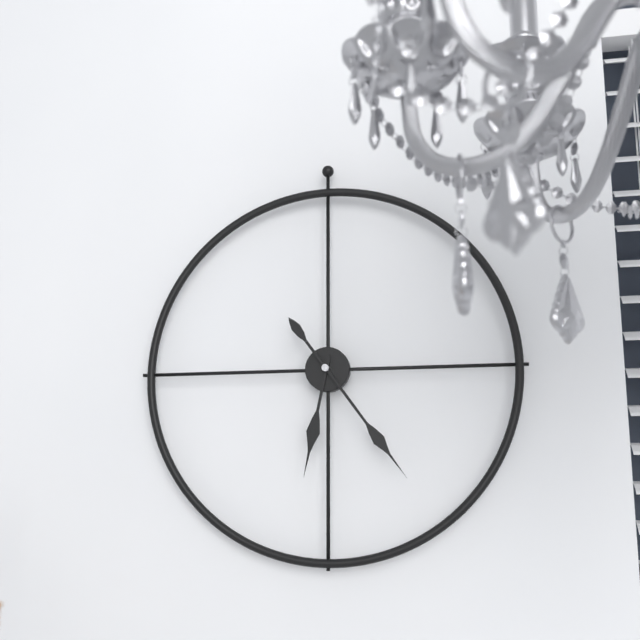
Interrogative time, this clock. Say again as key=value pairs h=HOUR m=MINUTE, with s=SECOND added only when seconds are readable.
h=6 m=24
